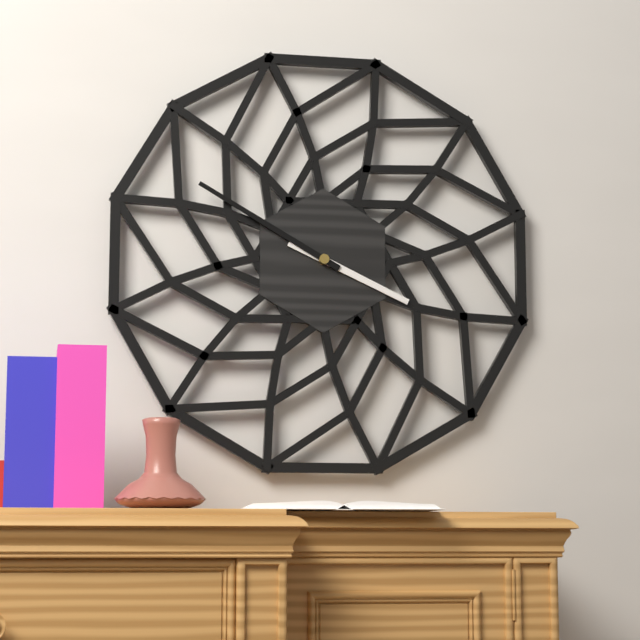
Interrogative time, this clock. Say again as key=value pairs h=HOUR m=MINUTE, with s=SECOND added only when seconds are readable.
h=3 m=50
